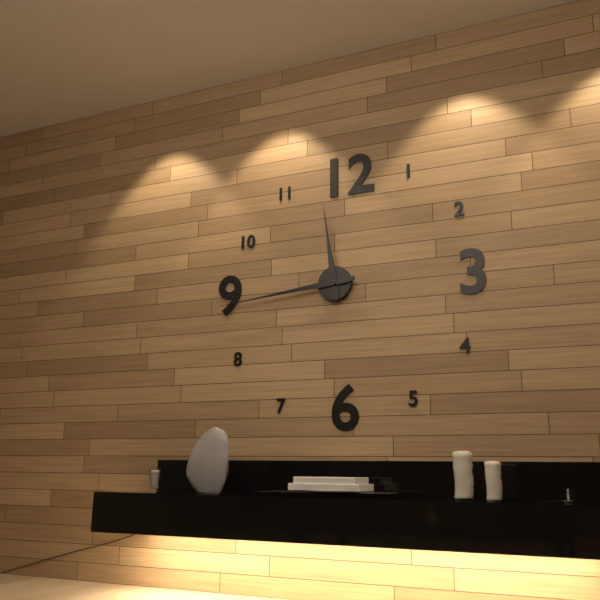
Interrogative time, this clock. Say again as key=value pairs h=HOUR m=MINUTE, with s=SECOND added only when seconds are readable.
h=11 m=44
